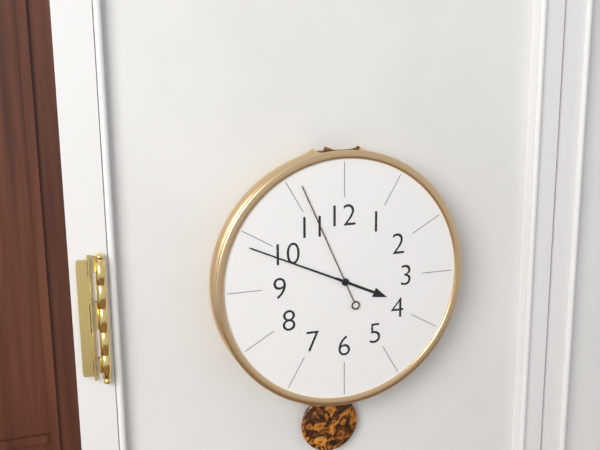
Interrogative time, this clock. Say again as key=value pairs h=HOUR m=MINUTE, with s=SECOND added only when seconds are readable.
h=3 m=49 s=56
